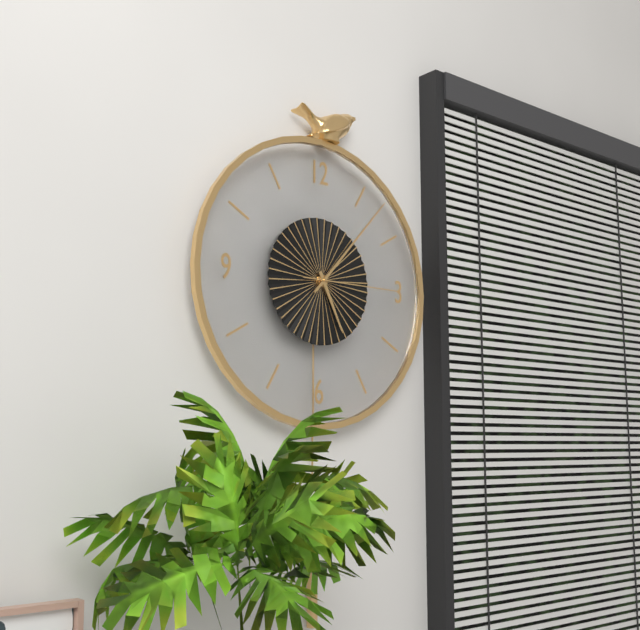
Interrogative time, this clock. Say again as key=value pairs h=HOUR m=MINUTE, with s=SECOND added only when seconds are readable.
h=5 m=7 s=15
